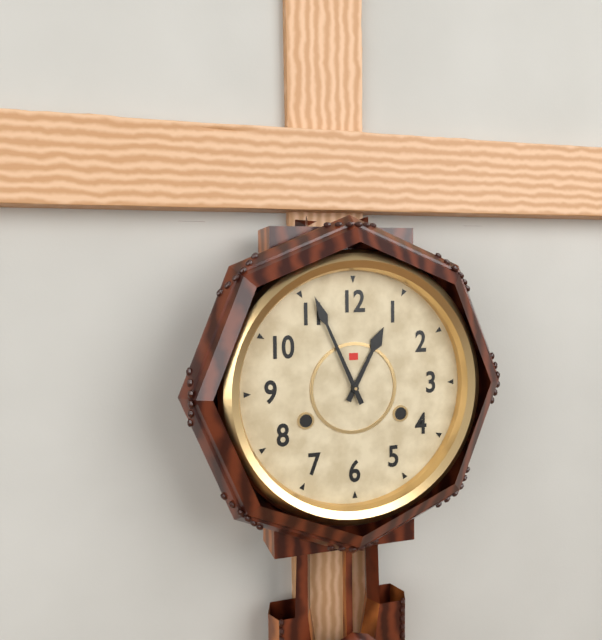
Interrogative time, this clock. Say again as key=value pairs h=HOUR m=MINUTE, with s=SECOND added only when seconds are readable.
h=12 m=56
